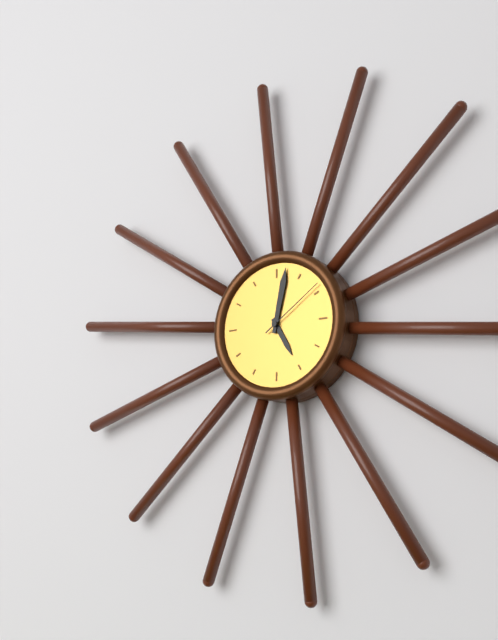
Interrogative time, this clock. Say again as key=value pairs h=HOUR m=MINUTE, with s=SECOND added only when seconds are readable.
h=5 m=2 s=9
